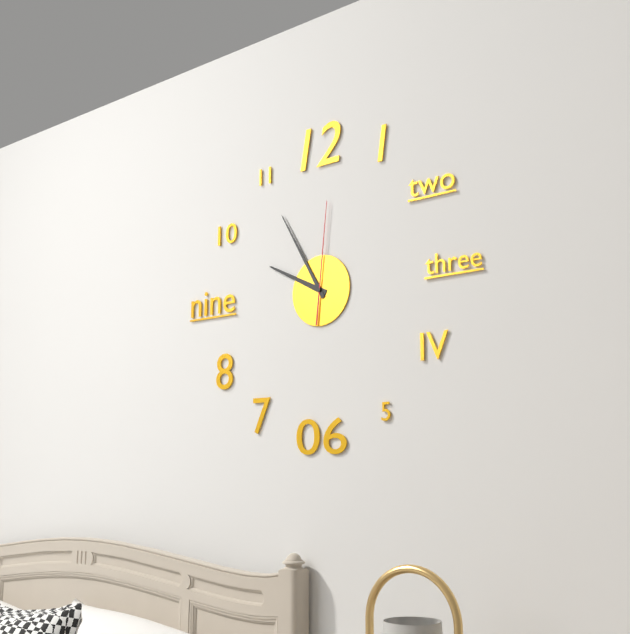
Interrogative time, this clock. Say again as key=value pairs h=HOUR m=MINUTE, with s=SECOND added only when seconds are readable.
h=9 m=55 s=1
